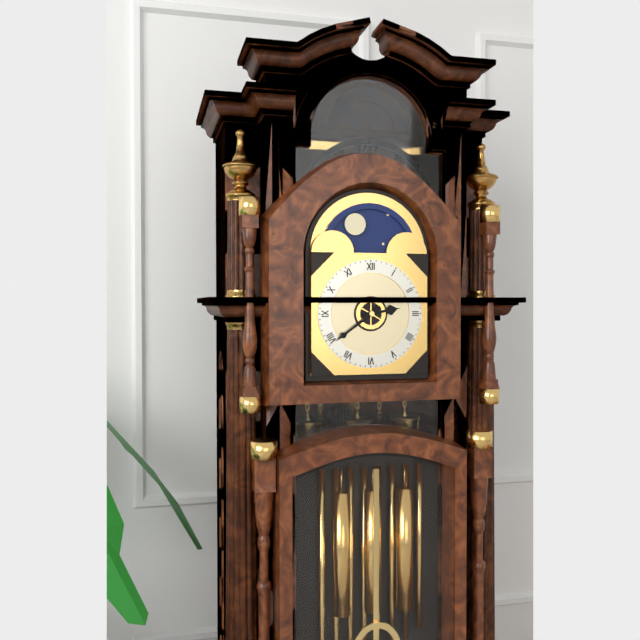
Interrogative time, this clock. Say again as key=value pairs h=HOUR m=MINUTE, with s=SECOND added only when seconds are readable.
h=2 m=39
